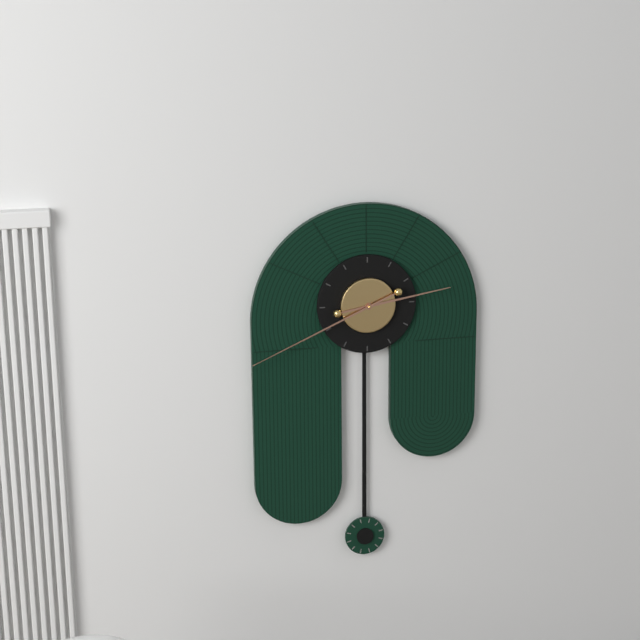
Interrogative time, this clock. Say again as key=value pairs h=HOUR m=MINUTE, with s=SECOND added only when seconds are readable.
h=2 m=41
